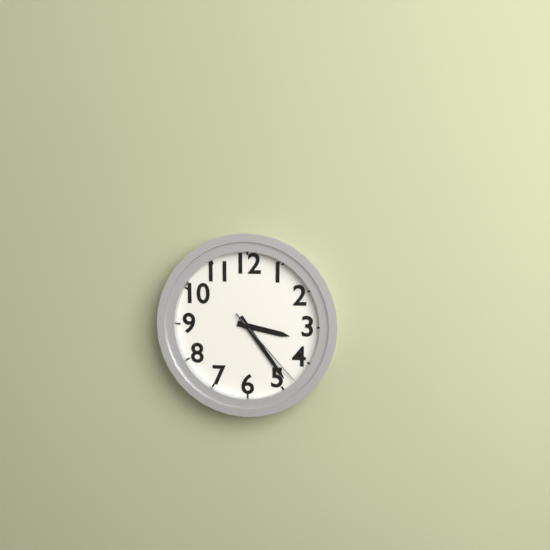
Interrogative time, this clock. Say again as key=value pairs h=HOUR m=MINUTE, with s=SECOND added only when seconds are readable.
h=3 m=24 s=23
